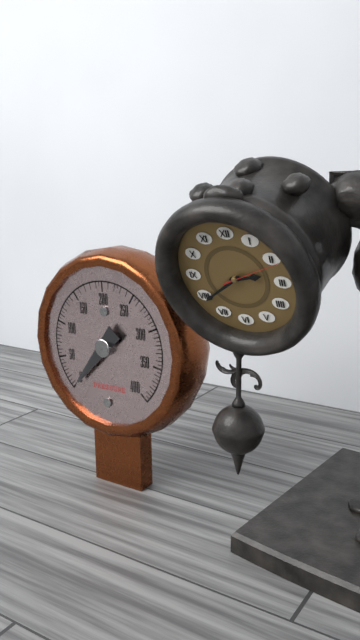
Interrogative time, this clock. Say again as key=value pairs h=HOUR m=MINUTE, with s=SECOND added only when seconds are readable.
h=2 m=39 s=11
